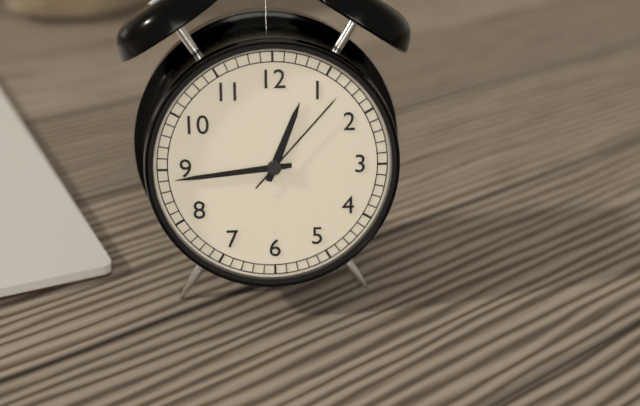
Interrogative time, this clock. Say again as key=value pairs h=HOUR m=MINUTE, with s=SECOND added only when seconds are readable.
h=12 m=44 s=7
